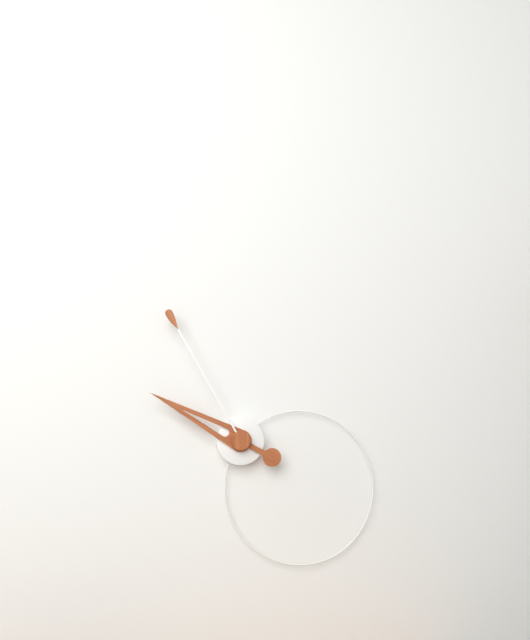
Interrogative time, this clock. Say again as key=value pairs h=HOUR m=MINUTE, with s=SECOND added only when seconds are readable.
h=9 m=55
